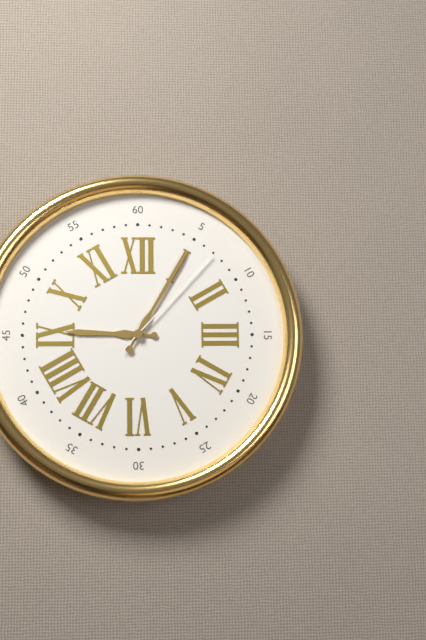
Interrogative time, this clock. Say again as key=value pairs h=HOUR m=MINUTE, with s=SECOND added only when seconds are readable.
h=9 m=5 s=7
